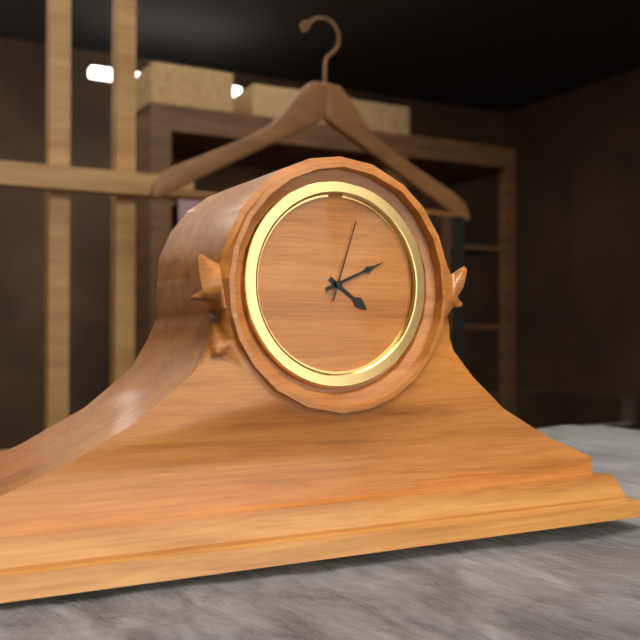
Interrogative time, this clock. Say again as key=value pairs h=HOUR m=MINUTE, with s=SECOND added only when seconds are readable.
h=4 m=11 s=3
